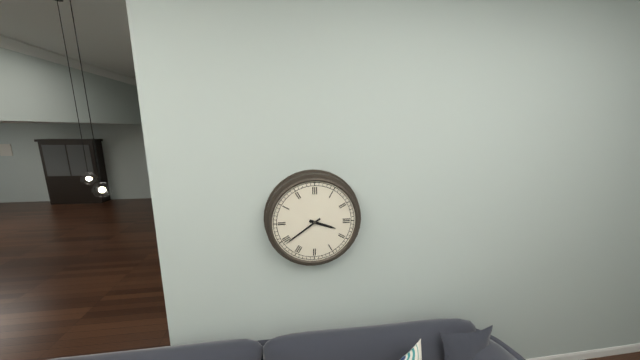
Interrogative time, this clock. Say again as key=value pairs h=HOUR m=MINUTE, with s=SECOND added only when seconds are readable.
h=3 m=39
